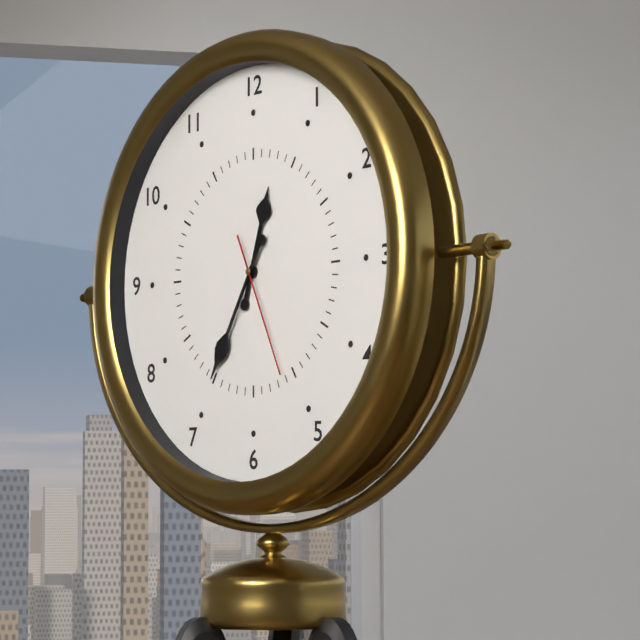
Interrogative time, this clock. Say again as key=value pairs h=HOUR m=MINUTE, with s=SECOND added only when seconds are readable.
h=12 m=35 s=26
